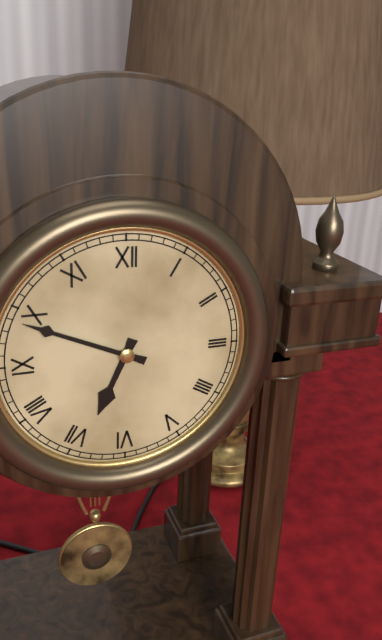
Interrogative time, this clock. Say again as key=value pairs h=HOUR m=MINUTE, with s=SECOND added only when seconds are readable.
h=6 m=49
